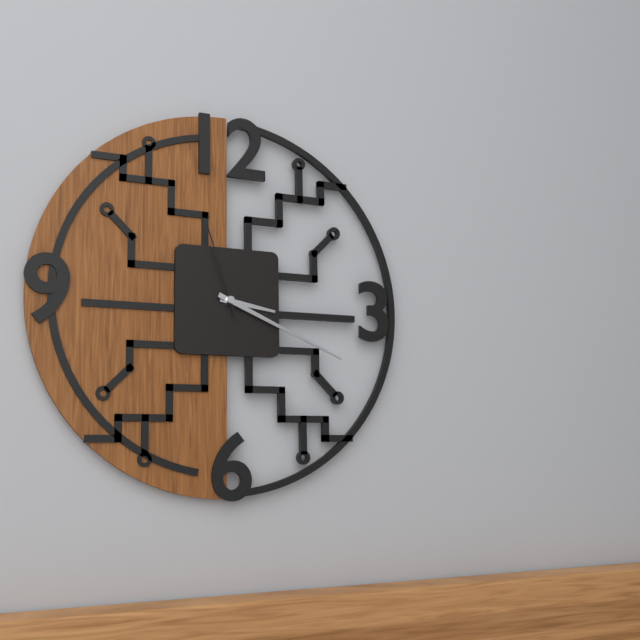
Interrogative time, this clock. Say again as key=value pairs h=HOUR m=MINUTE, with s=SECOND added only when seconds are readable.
h=3 m=19 s=57
